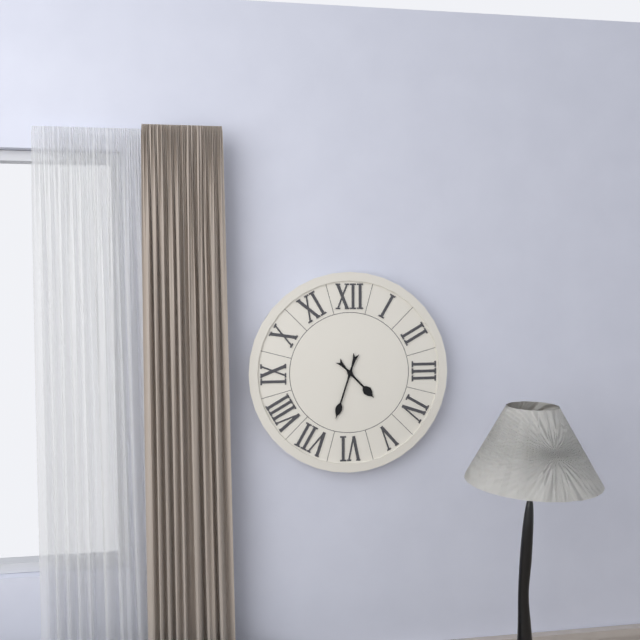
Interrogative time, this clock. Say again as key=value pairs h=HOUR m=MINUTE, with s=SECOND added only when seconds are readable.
h=4 m=33
